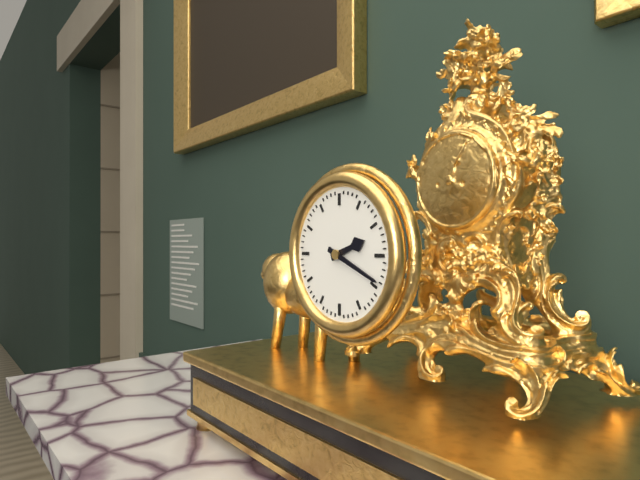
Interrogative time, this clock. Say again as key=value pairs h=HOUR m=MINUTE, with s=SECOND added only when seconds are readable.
h=2 m=19
